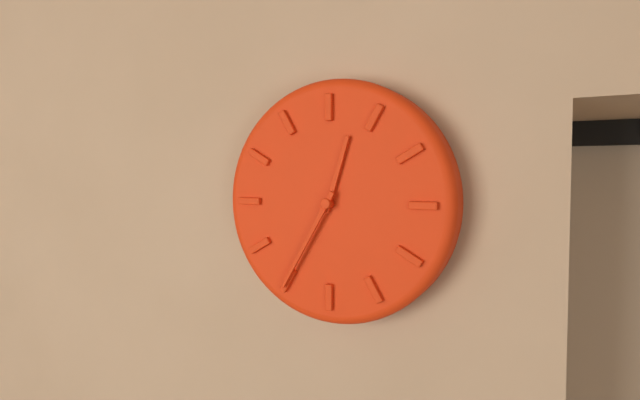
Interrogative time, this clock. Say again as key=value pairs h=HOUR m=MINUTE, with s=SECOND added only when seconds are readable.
h=12 m=35
